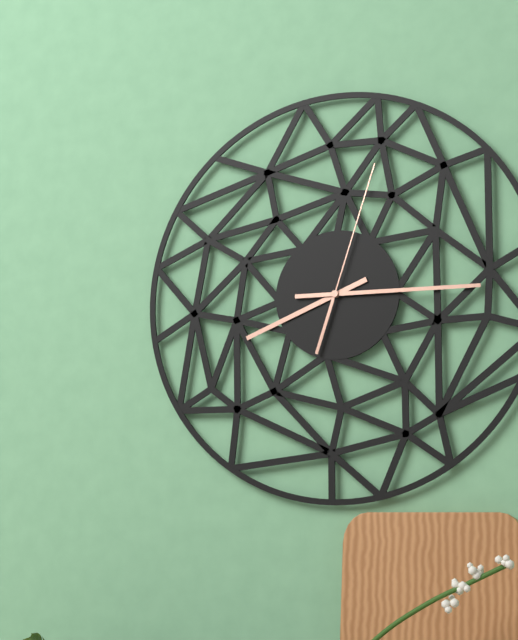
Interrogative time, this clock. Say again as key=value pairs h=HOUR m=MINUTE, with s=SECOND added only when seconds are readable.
h=8 m=15 s=3
